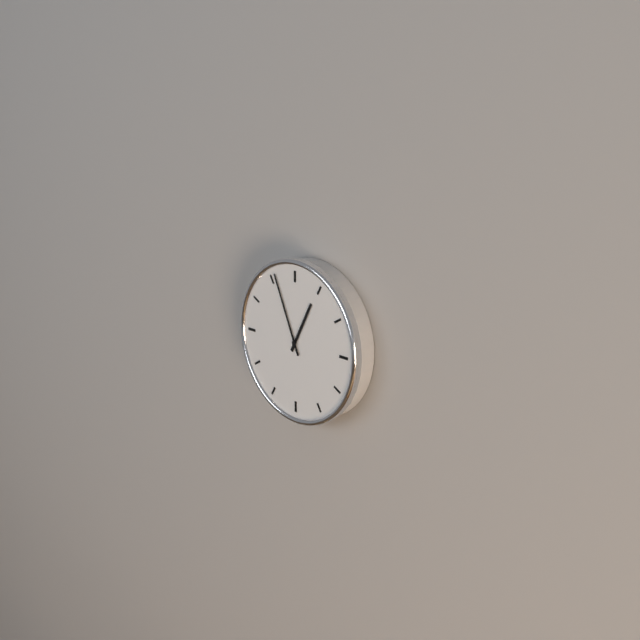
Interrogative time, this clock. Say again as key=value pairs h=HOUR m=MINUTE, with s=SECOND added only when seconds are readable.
h=12 m=56
